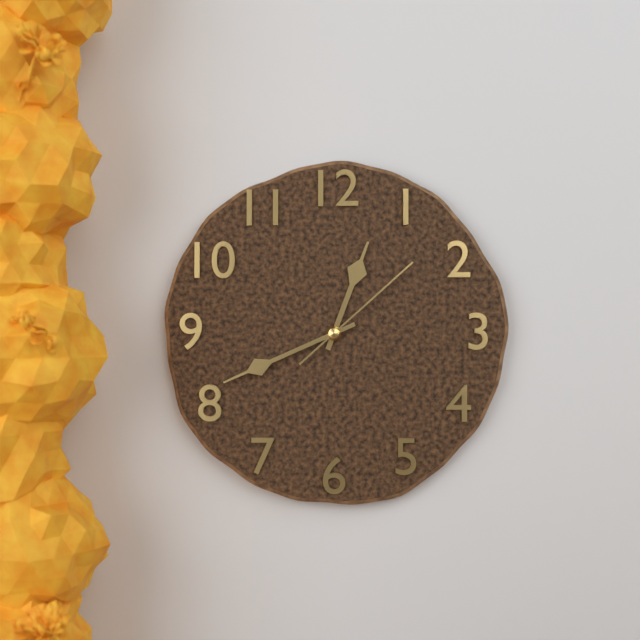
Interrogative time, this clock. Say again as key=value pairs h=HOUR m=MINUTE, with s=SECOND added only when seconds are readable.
h=12 m=41 s=8
